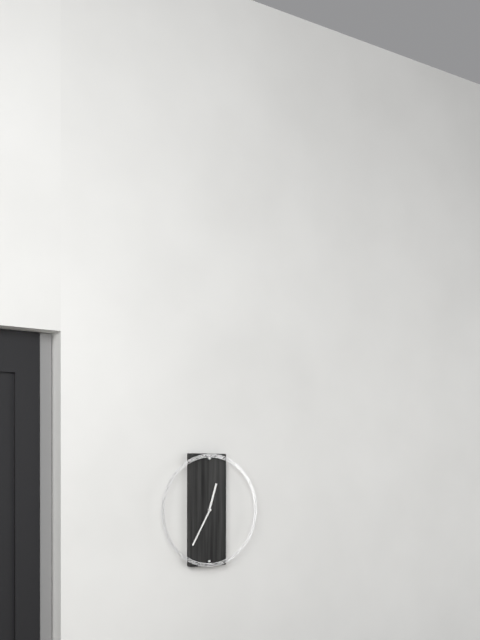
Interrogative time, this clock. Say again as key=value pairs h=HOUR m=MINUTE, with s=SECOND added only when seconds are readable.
h=12 m=35
